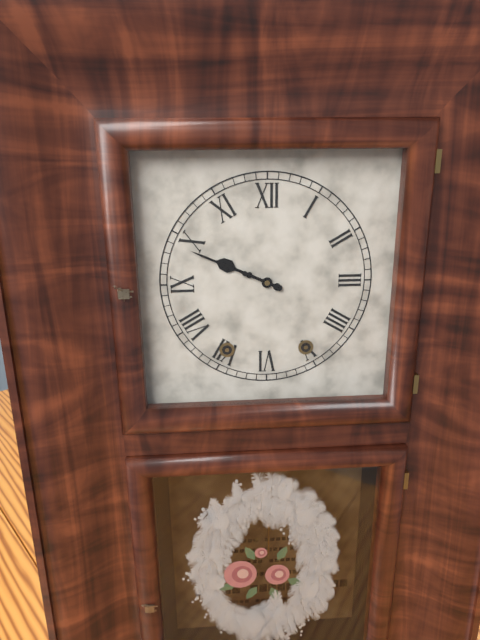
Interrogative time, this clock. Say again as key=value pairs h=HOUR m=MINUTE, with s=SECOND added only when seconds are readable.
h=9 m=49
